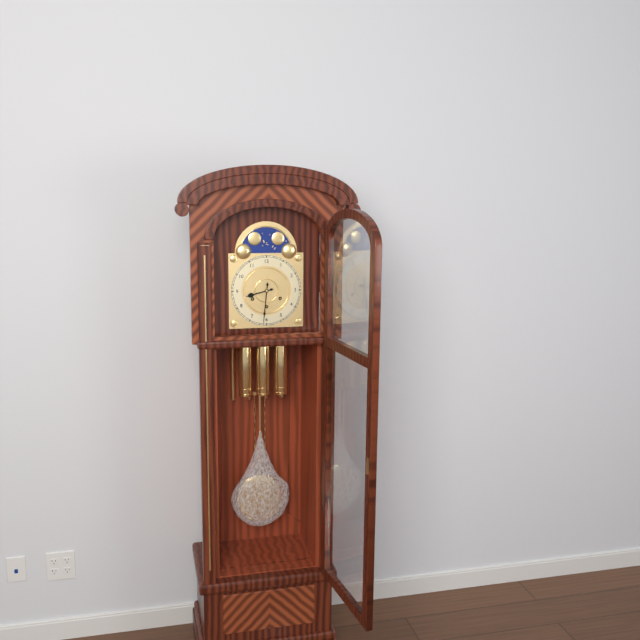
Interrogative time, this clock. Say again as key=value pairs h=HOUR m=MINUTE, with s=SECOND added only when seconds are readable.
h=8 m=31
